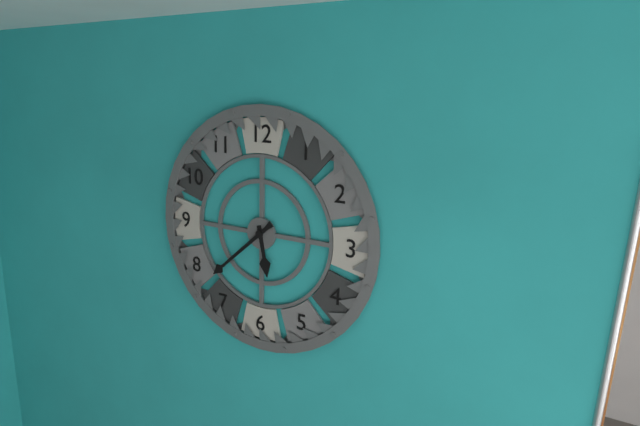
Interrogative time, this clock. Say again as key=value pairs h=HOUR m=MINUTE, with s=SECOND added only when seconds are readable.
h=5 m=38
